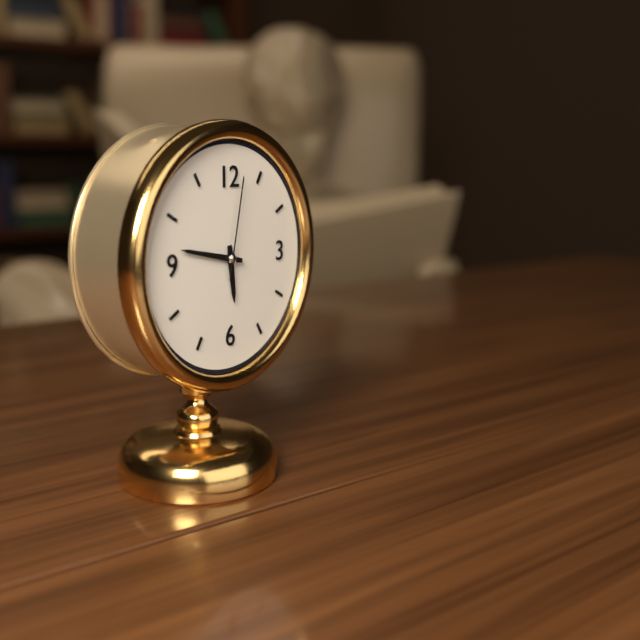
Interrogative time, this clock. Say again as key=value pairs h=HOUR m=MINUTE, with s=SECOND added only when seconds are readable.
h=5 m=47 s=2
